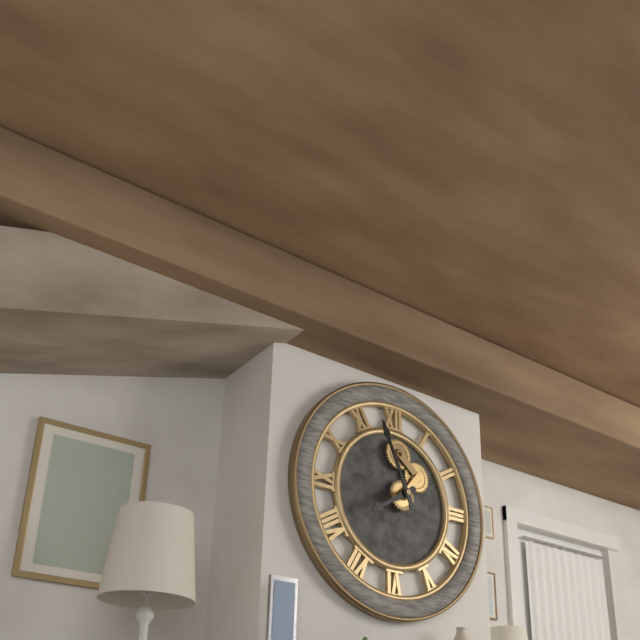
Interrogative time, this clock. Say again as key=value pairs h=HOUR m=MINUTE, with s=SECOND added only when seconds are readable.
h=7 m=56
